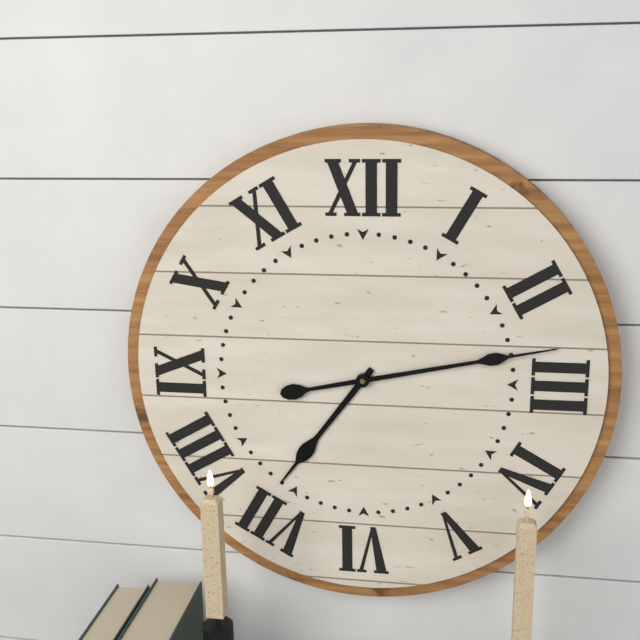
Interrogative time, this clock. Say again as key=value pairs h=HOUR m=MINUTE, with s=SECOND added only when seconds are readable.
h=7 m=13
